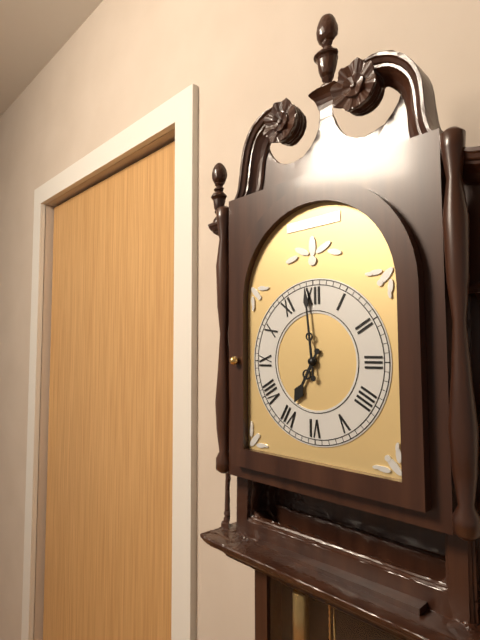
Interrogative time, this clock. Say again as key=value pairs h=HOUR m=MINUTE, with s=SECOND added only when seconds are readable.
h=6 m=59
